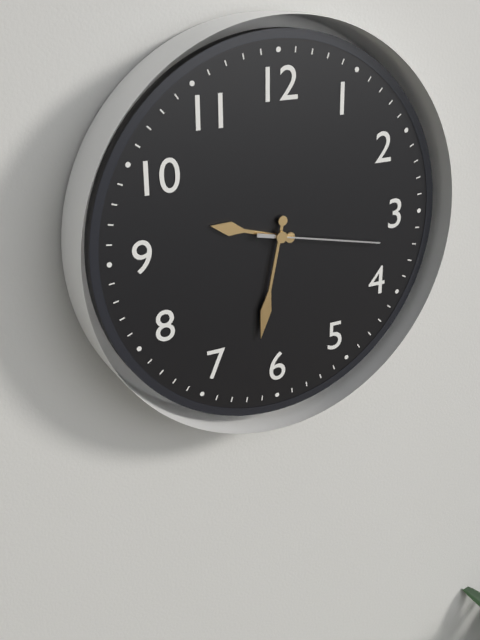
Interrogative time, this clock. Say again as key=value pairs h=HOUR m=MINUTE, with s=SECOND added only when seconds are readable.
h=9 m=32 s=17
